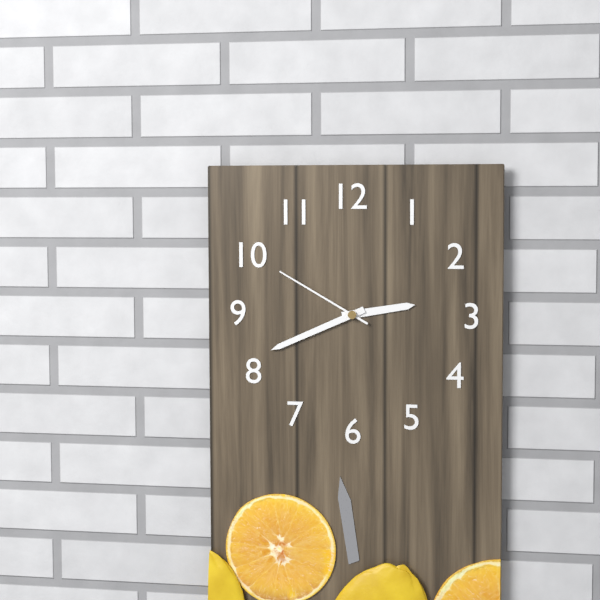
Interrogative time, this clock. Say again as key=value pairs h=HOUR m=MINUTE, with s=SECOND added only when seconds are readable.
h=2 m=41 s=50
